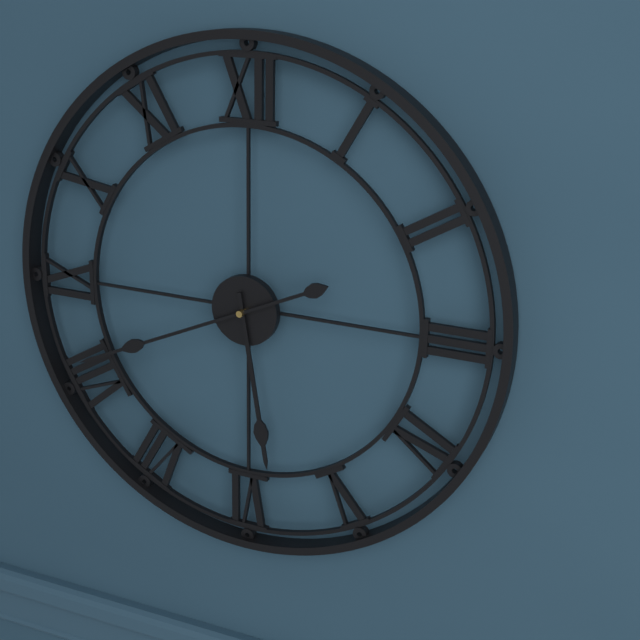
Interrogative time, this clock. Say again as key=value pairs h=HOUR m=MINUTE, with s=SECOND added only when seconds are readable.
h=5 m=41
